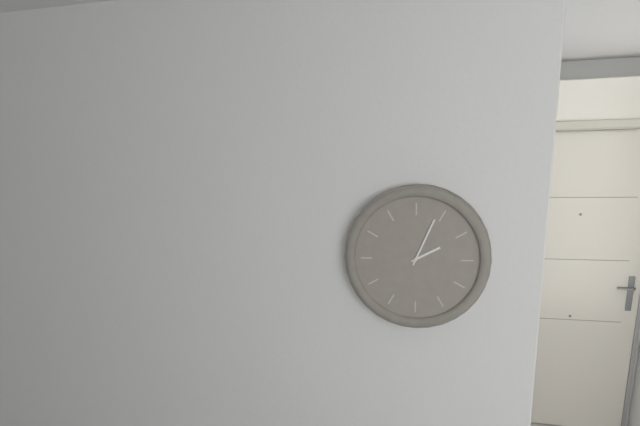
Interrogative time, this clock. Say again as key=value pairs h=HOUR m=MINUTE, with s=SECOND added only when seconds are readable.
h=2 m=4
